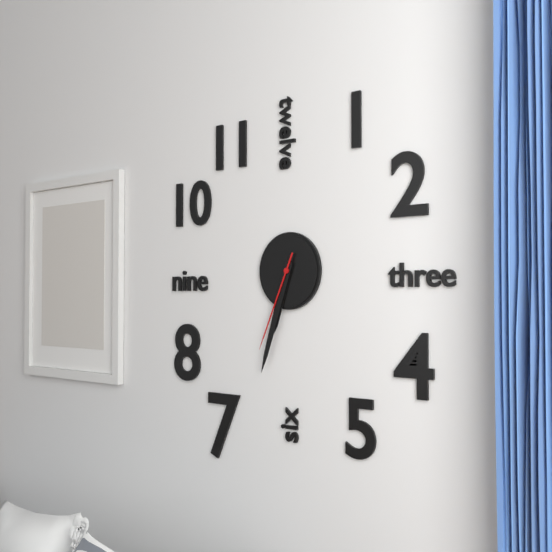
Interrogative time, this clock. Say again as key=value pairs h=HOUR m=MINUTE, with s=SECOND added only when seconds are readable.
h=6 m=33 s=34
